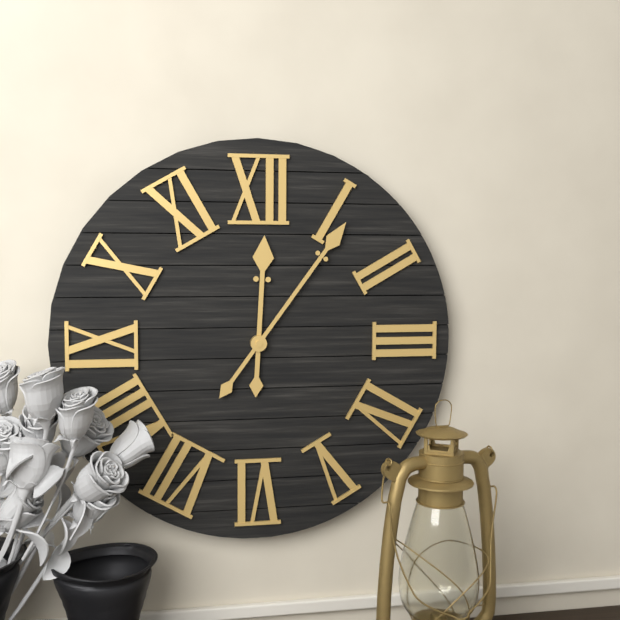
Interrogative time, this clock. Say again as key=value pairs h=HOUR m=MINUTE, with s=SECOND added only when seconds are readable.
h=12 m=6
